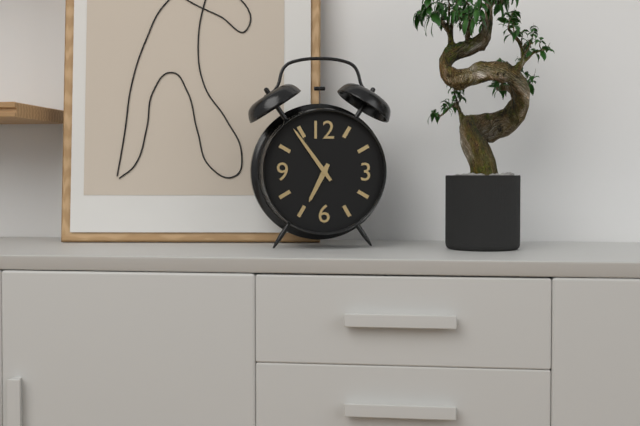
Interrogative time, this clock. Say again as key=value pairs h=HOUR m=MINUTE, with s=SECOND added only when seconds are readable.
h=6 m=54
